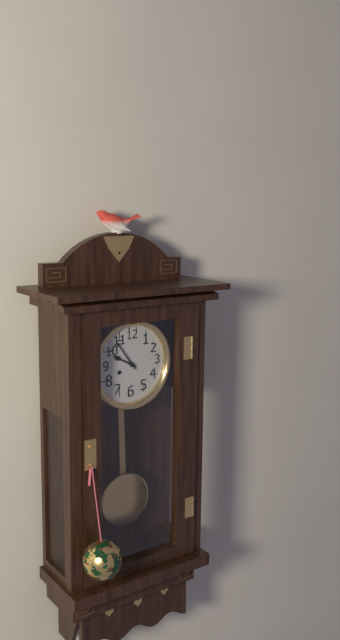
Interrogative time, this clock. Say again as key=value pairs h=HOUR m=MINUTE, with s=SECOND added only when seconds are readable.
h=9 m=54
